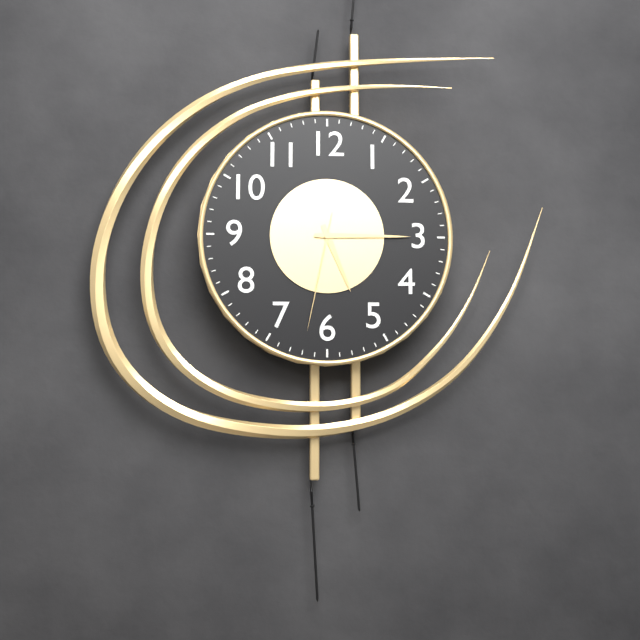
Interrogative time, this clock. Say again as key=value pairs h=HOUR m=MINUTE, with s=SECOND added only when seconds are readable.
h=5 m=15 s=32
